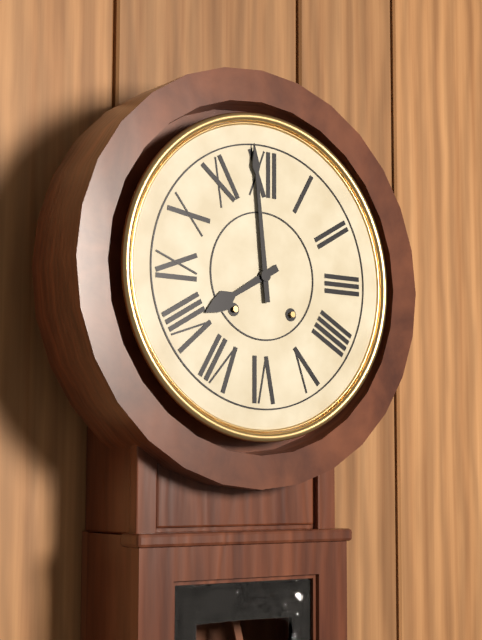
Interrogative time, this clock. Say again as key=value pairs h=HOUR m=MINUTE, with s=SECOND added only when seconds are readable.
h=7 m=59
